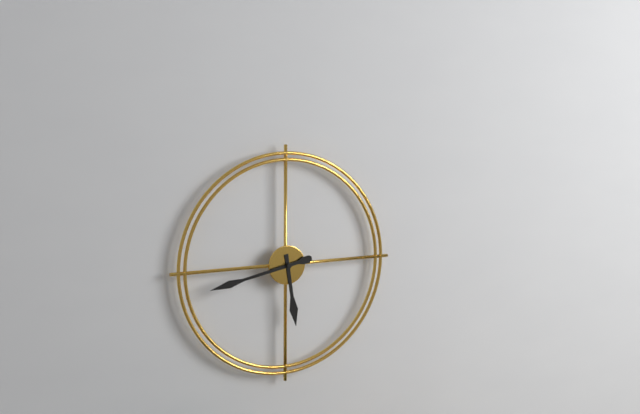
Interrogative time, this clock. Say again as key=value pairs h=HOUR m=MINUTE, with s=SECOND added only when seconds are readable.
h=5 m=43
